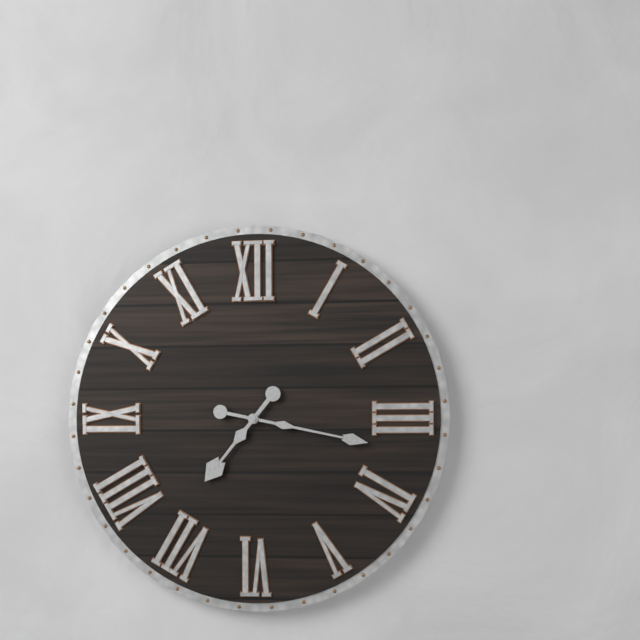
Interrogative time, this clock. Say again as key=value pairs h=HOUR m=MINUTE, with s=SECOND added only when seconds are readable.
h=7 m=17
